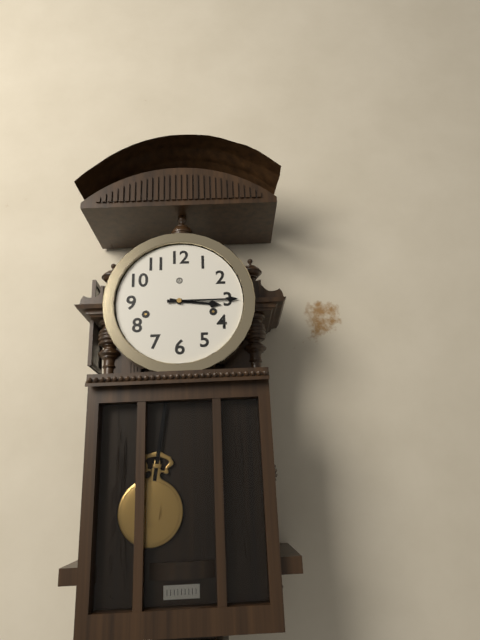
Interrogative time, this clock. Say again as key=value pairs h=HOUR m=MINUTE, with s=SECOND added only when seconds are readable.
h=3 m=15
